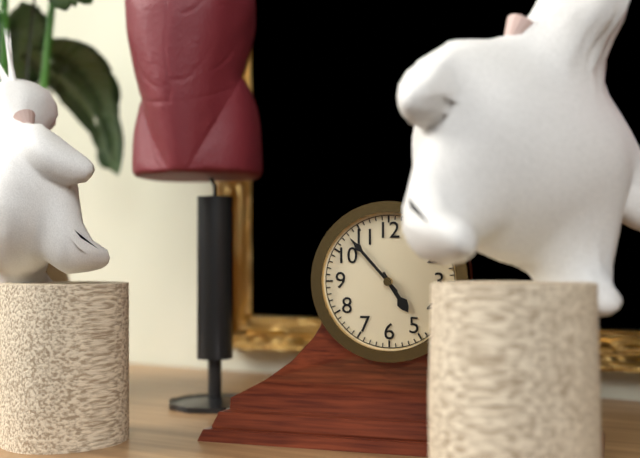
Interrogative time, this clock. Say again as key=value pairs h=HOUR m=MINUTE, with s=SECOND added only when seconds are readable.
h=4 m=53
